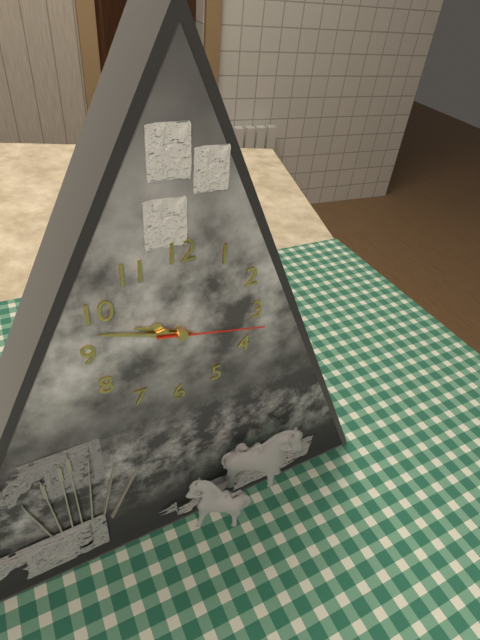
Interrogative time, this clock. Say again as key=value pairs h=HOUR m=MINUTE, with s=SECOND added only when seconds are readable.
h=9 m=48 s=17
